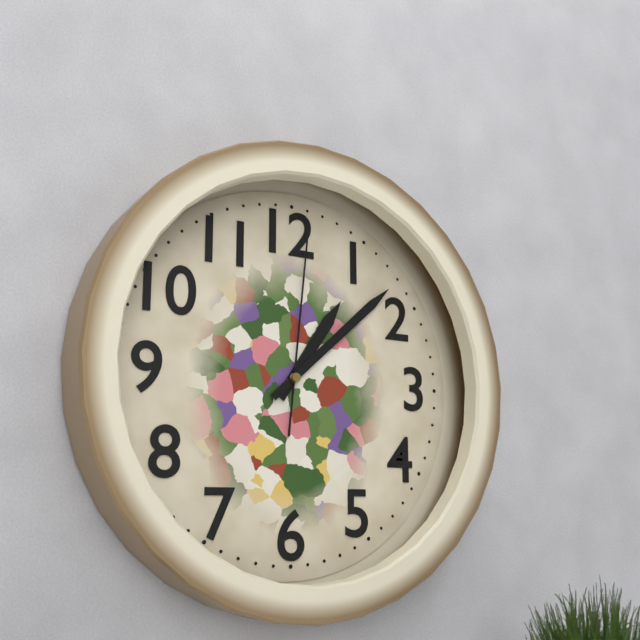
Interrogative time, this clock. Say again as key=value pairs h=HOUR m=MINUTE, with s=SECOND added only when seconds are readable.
h=1 m=8 s=1
